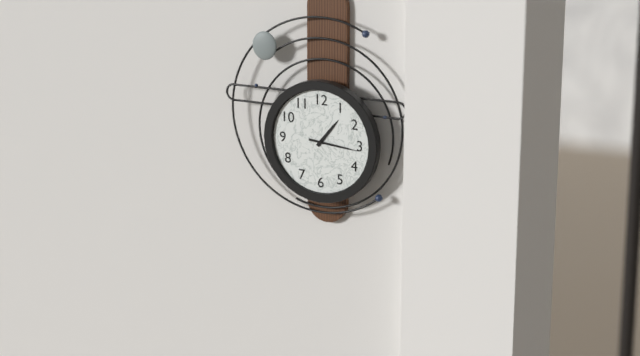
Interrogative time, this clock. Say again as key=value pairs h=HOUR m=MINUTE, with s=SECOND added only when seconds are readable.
h=1 m=16
